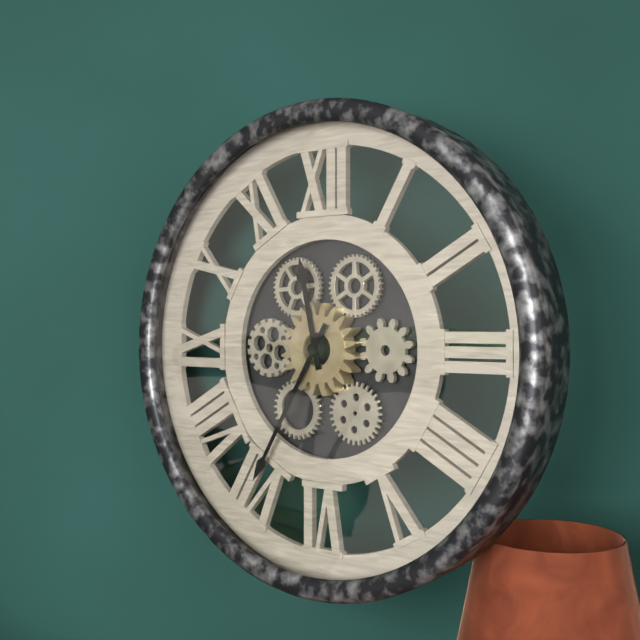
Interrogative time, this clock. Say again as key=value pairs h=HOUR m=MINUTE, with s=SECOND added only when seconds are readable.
h=11 m=35
